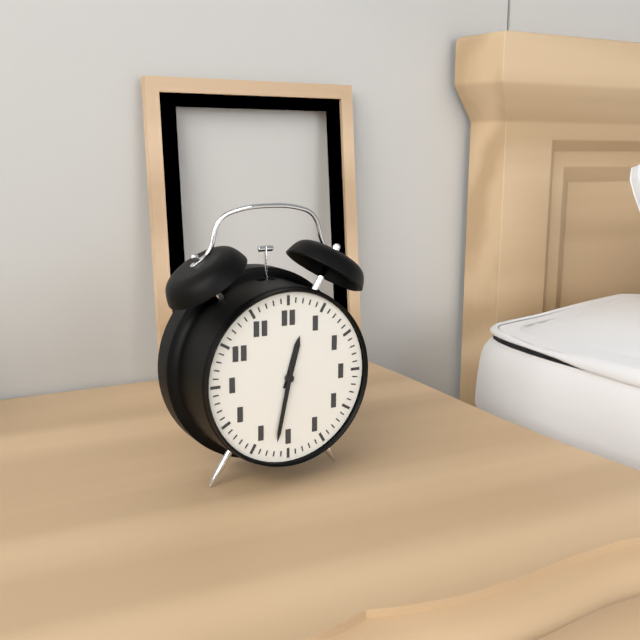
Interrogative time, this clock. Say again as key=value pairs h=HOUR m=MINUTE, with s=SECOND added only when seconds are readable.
h=12 m=32
